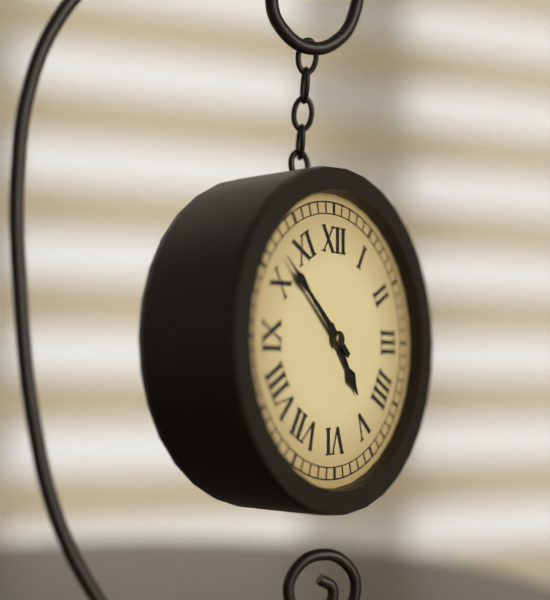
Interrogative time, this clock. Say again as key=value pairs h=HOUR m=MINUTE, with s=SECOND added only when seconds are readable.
h=4 m=52
